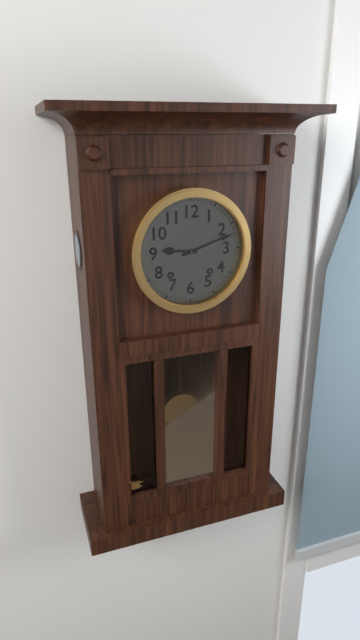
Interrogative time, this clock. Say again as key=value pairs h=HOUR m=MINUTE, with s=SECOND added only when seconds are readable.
h=9 m=12
